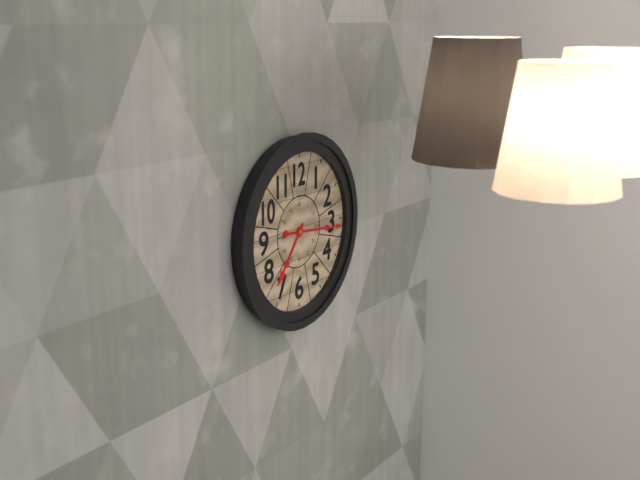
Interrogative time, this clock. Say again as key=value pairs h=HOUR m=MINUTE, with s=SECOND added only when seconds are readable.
h=7 m=16
